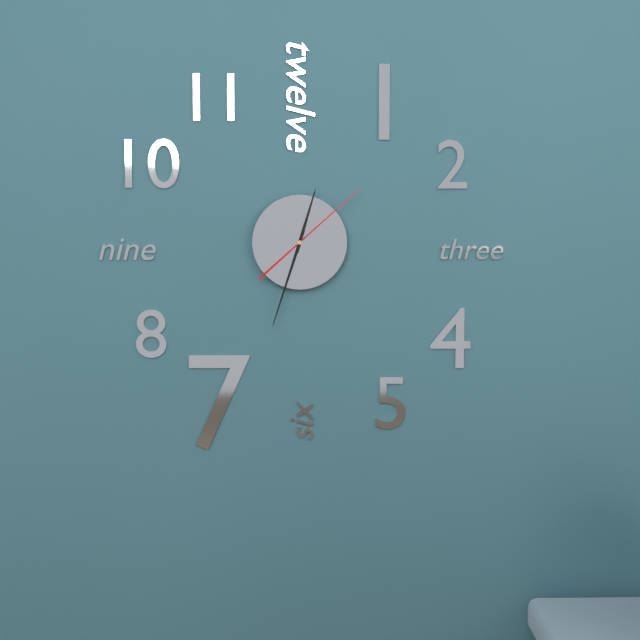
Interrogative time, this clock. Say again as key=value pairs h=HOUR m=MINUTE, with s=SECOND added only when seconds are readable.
h=12 m=33 s=8
